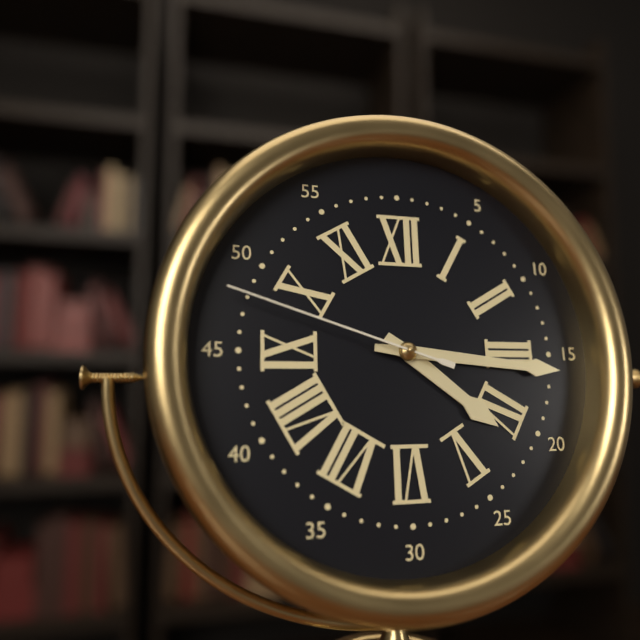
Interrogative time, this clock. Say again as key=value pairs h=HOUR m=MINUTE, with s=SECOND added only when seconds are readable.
h=4 m=16 s=48
